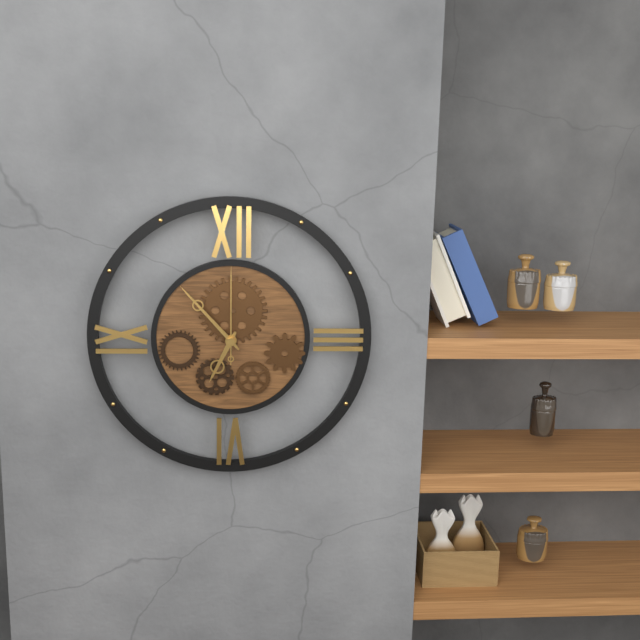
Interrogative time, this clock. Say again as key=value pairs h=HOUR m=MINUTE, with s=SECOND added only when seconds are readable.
h=6 m=53 s=0
